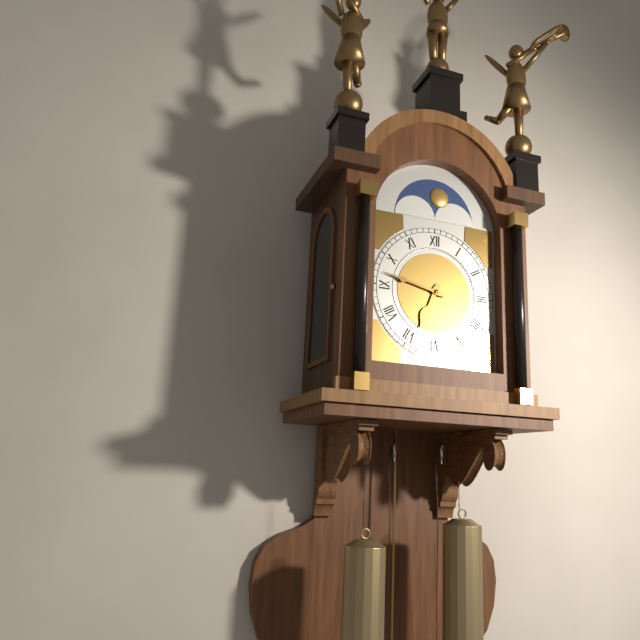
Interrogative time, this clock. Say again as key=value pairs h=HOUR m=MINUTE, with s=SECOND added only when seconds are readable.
h=6 m=47
